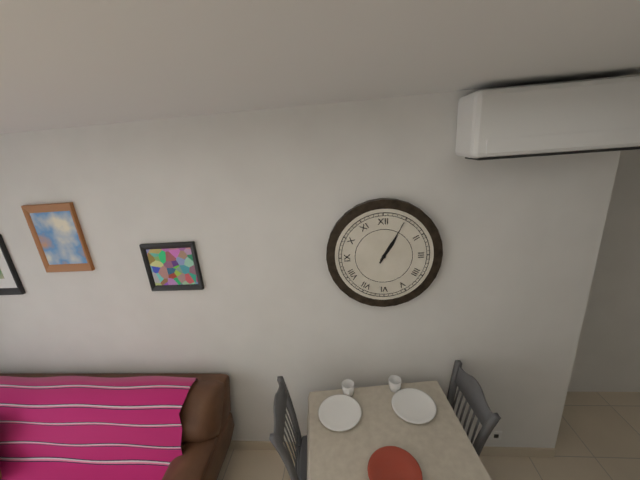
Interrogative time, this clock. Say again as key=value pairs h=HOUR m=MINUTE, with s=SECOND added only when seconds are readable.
h=1 m=5
